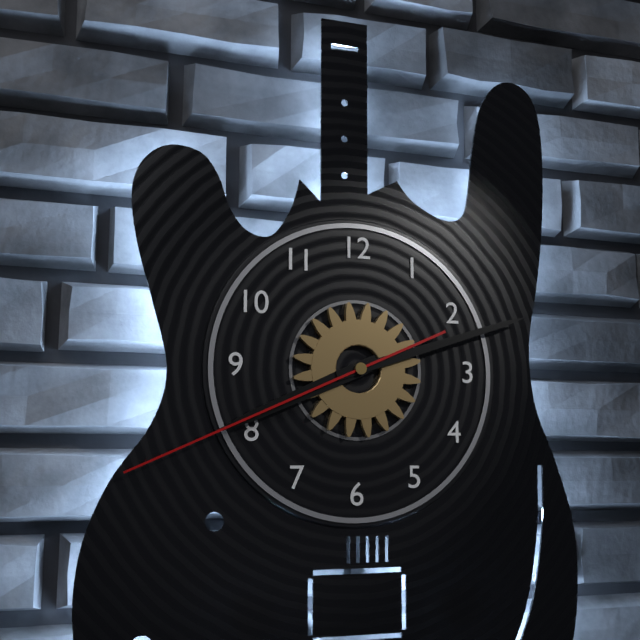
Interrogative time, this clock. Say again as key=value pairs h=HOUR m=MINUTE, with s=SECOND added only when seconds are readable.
h=8 m=12 s=41
